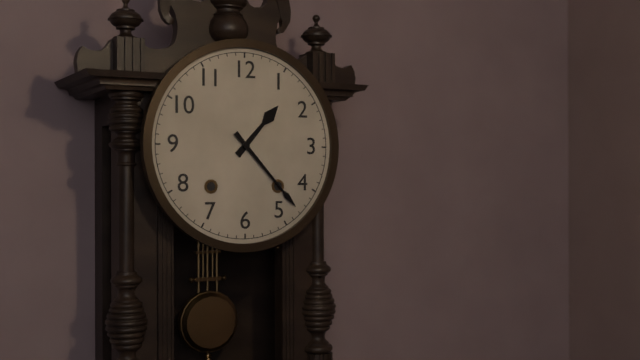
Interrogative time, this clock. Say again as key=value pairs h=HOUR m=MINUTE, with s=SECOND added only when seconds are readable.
h=1 m=23
